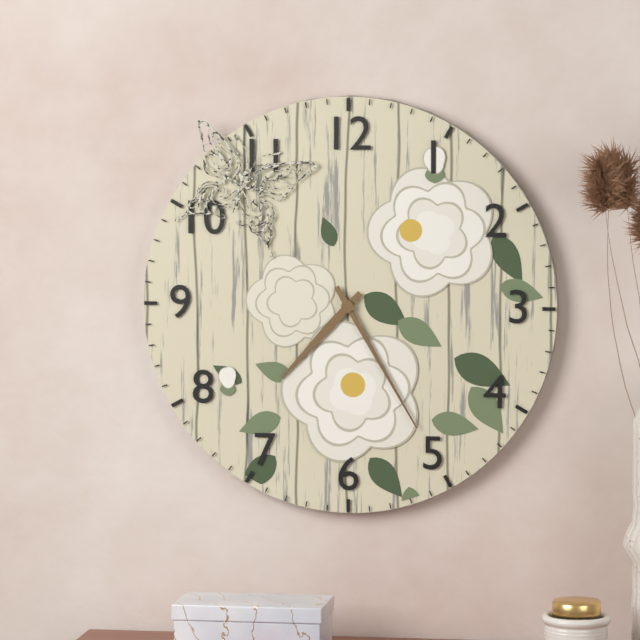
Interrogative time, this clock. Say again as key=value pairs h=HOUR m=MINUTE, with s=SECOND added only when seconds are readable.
h=7 m=25
